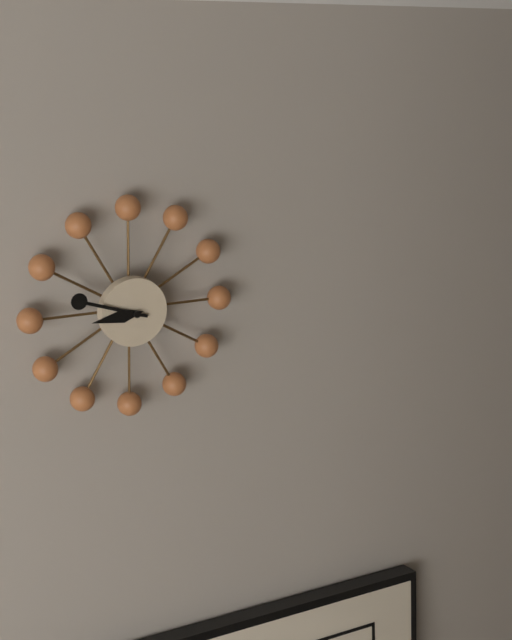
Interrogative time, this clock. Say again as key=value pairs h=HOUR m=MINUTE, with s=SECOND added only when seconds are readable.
h=8 m=48
